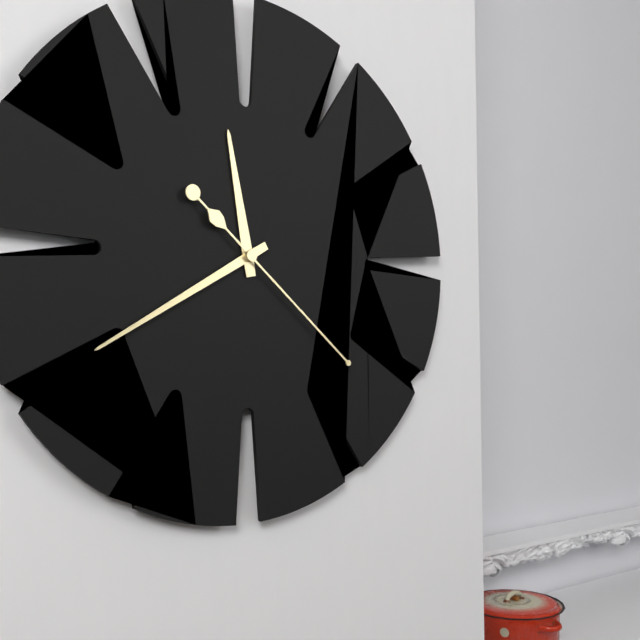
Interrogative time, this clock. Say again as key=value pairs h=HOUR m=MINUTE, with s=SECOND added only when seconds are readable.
h=11 m=40 s=22
